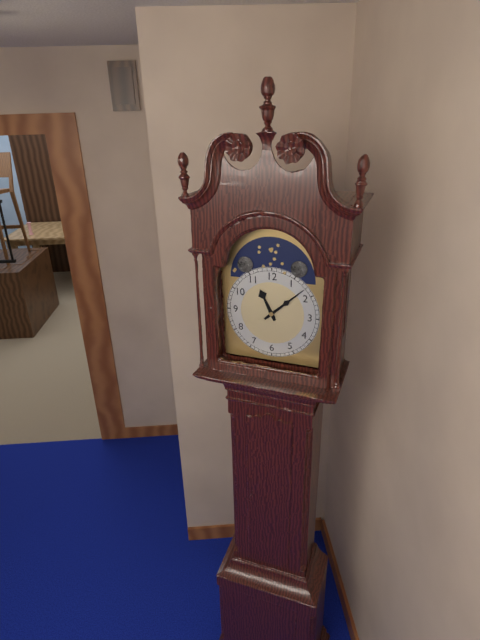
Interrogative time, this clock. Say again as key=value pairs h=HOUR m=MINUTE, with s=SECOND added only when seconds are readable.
h=11 m=8
